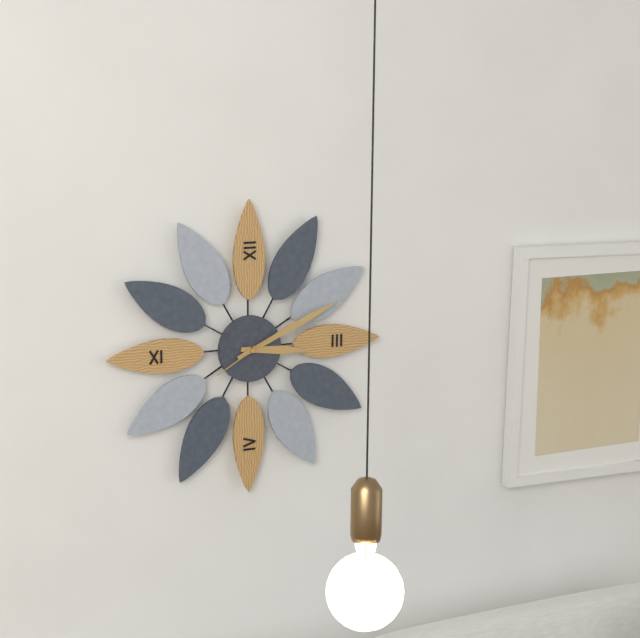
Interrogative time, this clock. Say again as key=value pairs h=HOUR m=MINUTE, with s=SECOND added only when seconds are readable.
h=3 m=11 s=10
